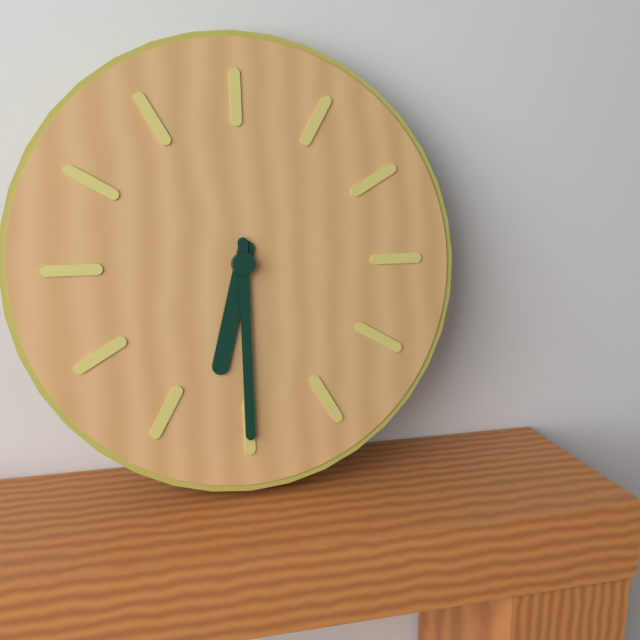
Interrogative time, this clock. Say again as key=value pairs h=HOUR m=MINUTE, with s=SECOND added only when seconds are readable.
h=6 m=30
